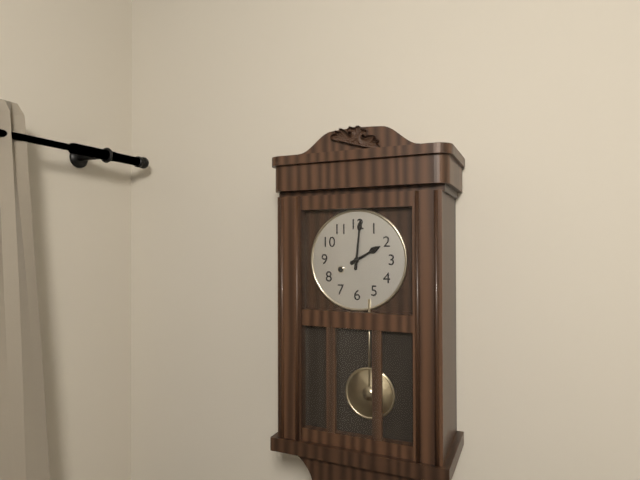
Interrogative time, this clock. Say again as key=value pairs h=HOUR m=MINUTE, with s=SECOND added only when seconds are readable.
h=2 m=1
